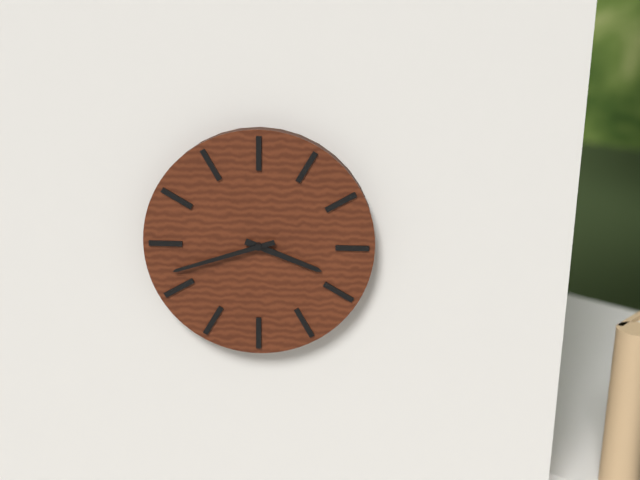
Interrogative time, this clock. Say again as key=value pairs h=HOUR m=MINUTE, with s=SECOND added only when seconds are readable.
h=3 m=42
